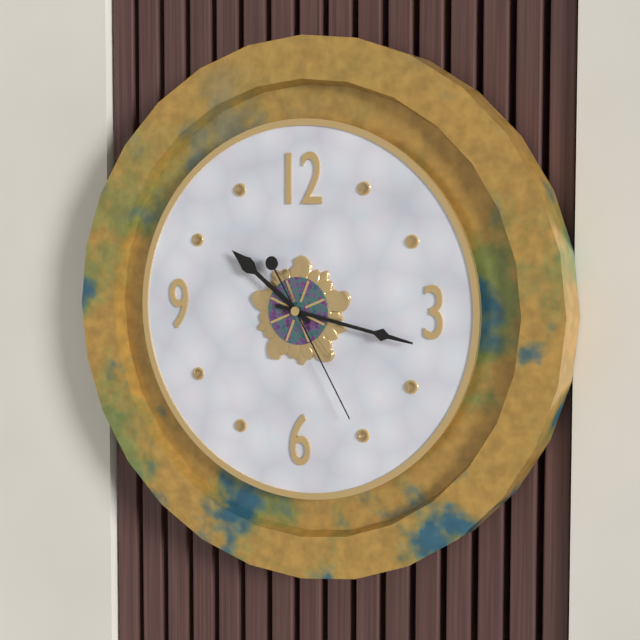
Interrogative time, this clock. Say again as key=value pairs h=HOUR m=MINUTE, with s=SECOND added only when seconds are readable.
h=10 m=17 s=25
